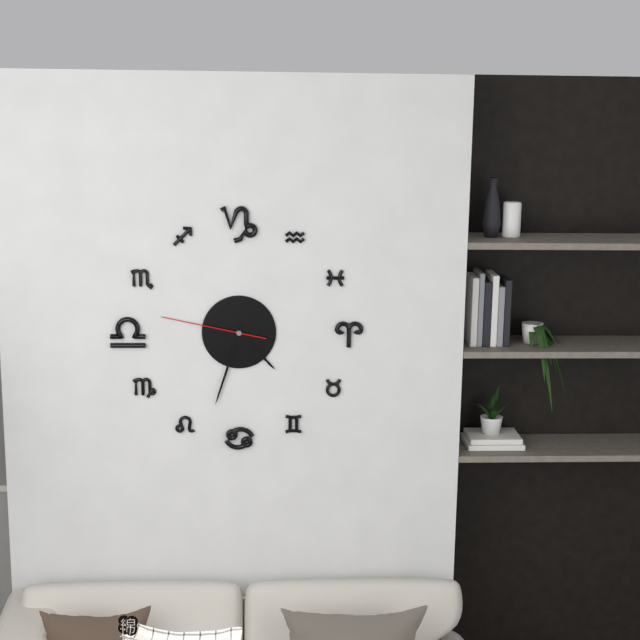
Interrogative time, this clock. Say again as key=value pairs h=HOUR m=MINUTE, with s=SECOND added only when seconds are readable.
h=4 m=33 s=47
